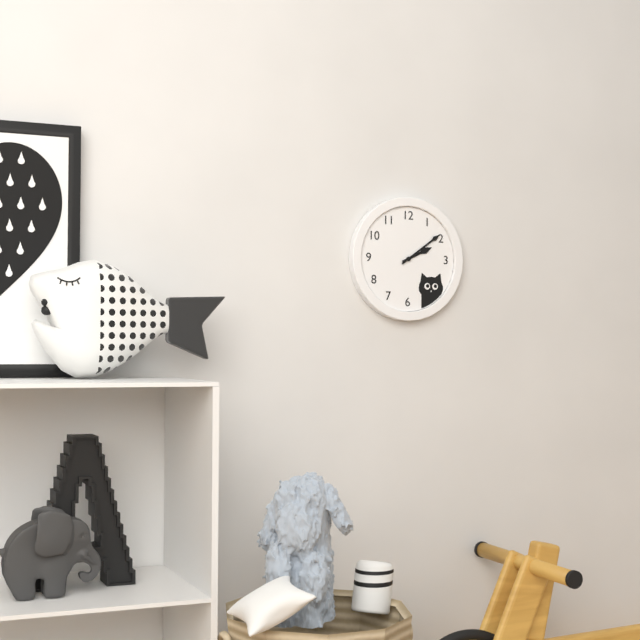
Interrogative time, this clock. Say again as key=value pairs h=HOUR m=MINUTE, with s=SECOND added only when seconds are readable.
h=2 m=9
